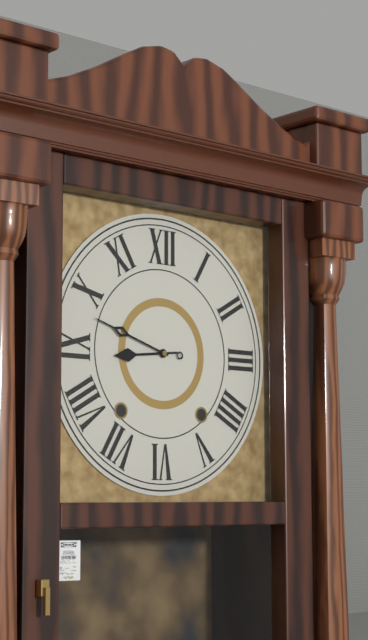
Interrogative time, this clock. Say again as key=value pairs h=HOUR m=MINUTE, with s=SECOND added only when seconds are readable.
h=8 m=48
